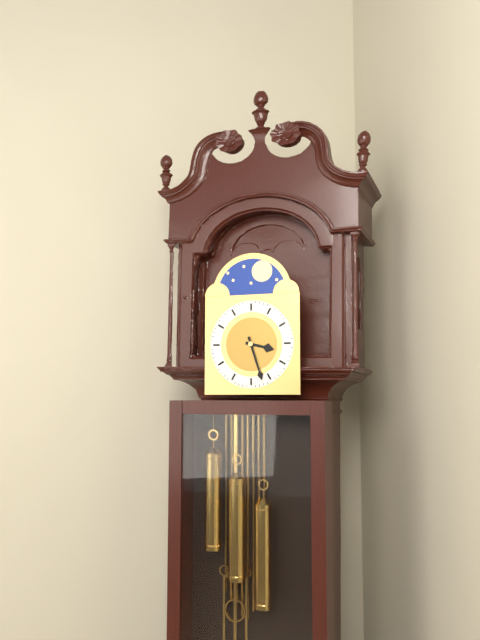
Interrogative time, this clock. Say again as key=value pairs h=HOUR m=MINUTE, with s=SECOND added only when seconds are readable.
h=3 m=27
